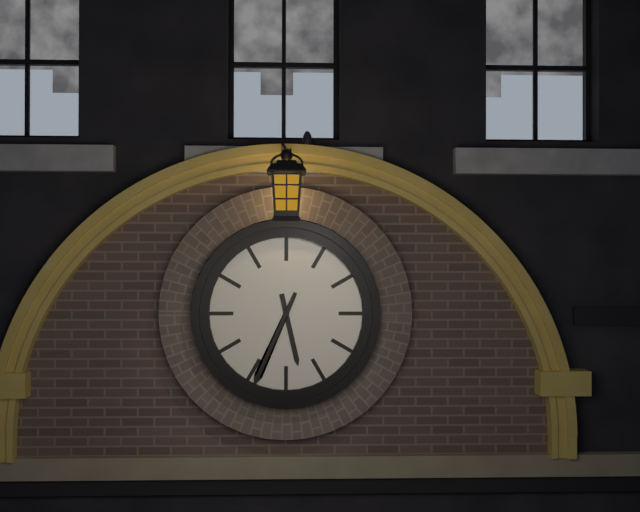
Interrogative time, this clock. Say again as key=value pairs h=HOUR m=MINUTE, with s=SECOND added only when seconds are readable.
h=5 m=34
